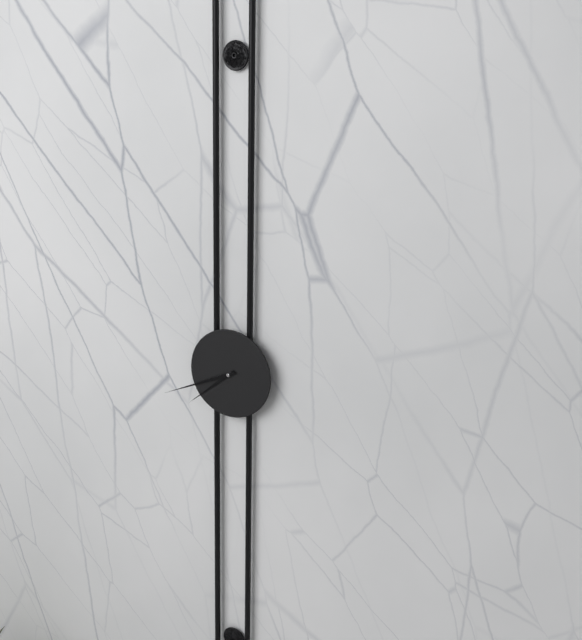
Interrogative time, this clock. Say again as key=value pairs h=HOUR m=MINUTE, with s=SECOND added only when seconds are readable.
h=7 m=41
